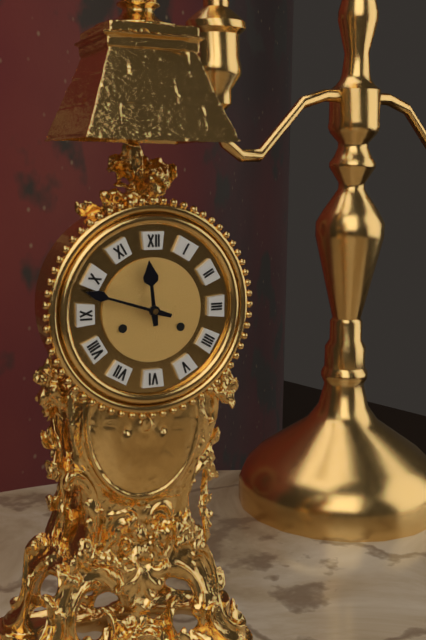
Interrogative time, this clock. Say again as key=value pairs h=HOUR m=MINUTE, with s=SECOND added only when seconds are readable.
h=11 m=48
